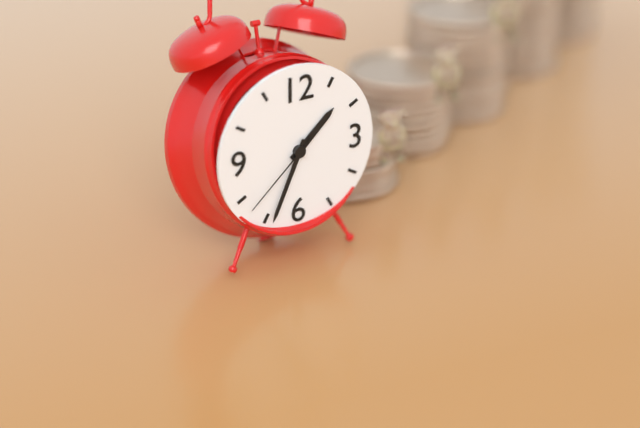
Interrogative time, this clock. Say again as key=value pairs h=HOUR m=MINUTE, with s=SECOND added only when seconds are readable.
h=1 m=34 s=38
